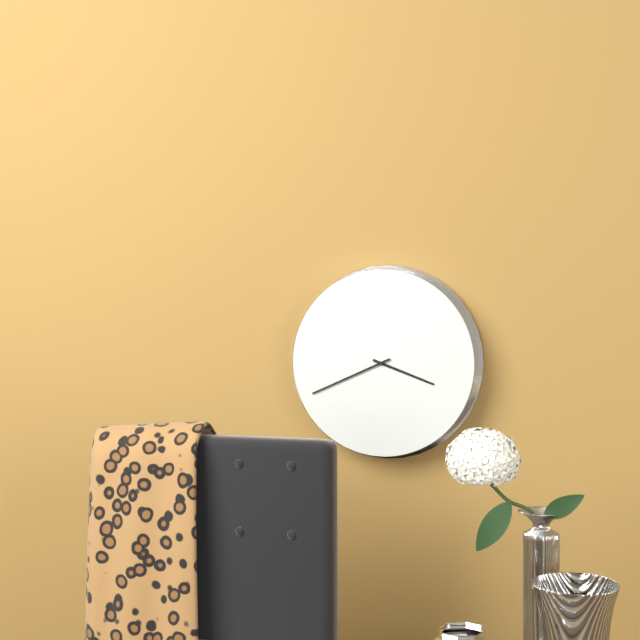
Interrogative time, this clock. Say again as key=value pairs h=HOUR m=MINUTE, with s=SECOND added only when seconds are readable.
h=3 m=41
